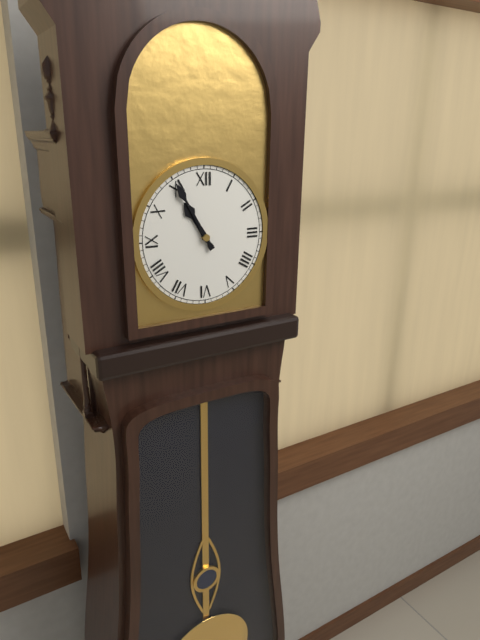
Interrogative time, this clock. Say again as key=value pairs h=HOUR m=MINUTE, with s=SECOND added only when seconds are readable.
h=10 m=55
